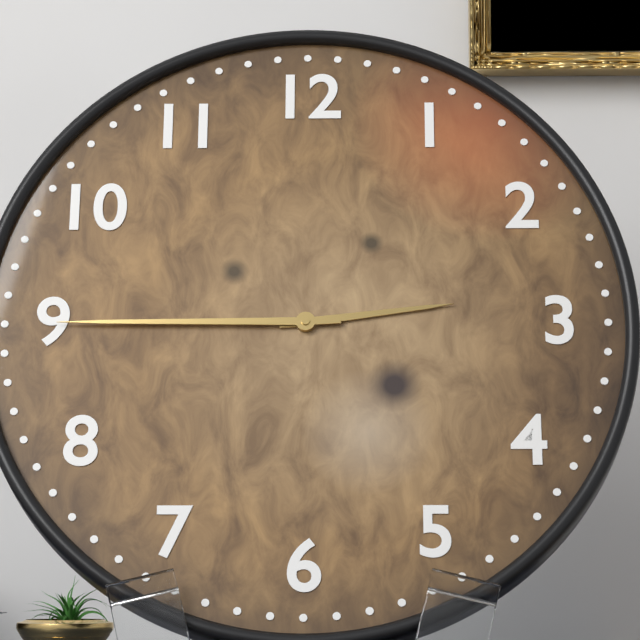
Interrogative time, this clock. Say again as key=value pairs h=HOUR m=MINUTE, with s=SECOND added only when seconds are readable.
h=2 m=45
